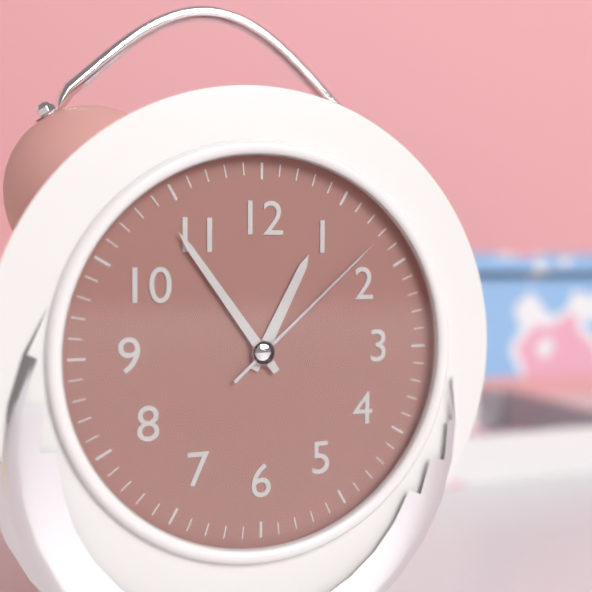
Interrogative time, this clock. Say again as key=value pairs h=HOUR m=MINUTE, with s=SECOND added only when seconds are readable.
h=12 m=54 s=8
